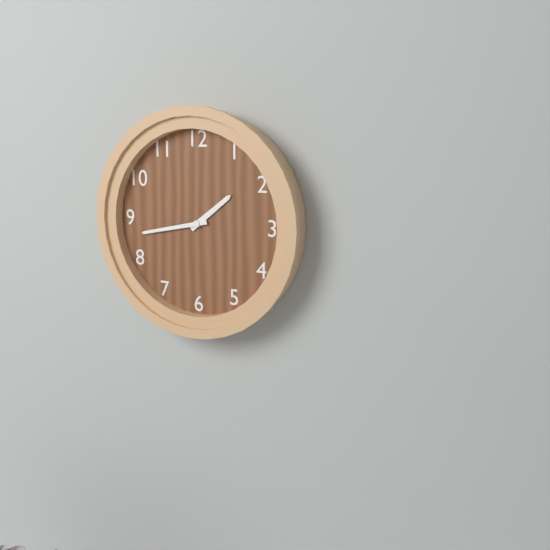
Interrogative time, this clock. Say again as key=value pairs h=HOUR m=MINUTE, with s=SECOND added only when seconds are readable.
h=1 m=43
